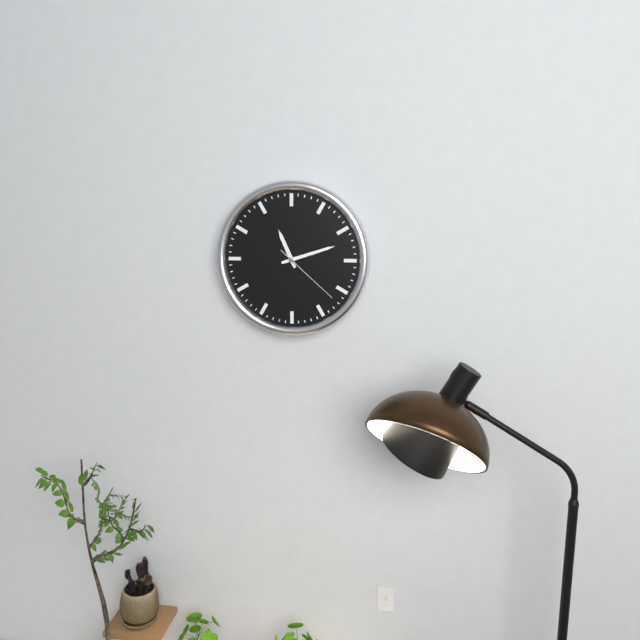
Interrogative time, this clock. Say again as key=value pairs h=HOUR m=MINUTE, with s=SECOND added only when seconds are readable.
h=11 m=12 s=22
